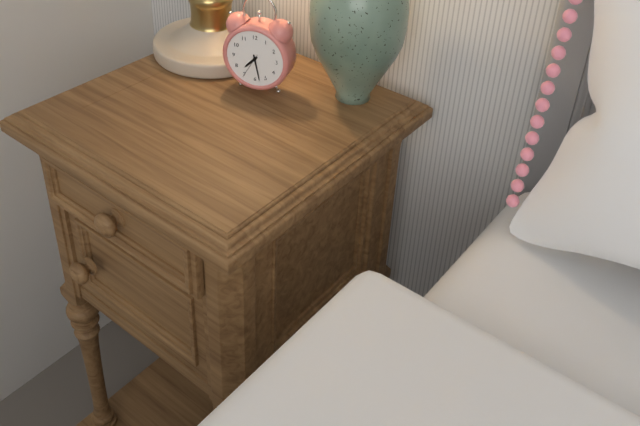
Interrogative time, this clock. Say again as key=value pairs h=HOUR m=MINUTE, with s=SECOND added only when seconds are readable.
h=7 m=28
